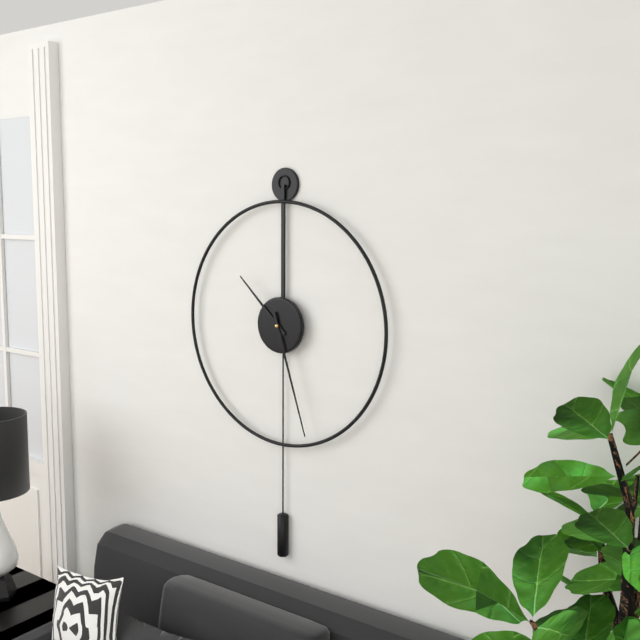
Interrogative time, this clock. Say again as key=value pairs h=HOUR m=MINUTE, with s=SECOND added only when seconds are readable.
h=10 m=27
